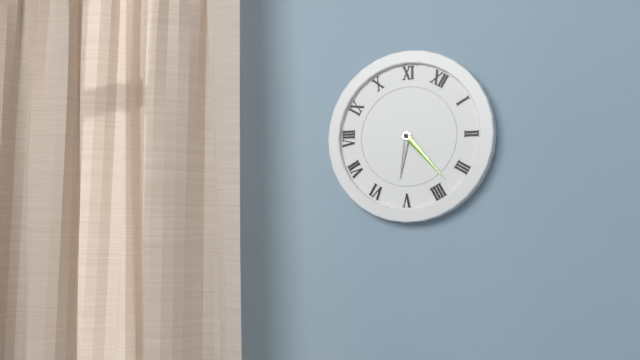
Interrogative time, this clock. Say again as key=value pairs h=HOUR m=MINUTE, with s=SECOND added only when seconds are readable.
h=5 m=18
